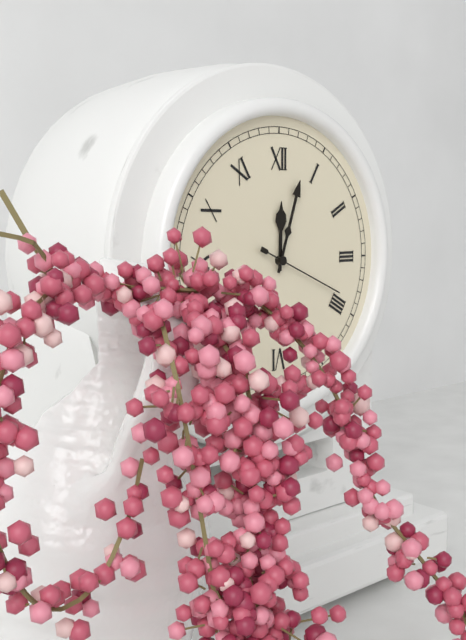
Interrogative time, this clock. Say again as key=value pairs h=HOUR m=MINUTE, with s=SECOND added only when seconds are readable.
h=12 m=3 s=19
